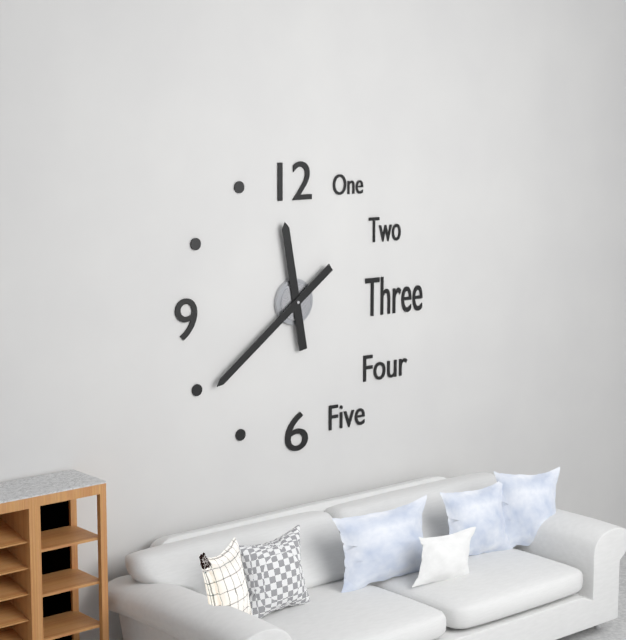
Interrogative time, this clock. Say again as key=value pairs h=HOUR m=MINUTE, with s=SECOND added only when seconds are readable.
h=11 m=39
